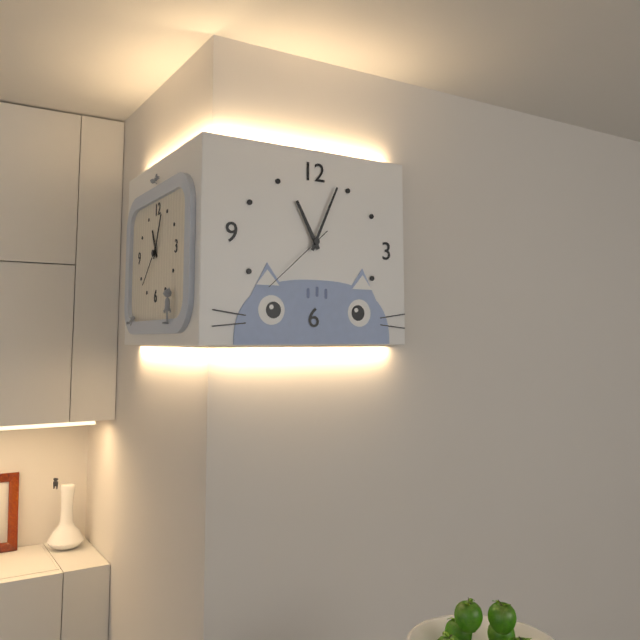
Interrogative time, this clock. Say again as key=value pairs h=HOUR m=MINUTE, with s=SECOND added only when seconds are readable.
h=11 m=4 s=38
